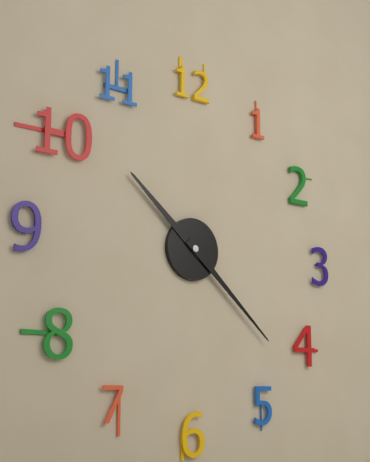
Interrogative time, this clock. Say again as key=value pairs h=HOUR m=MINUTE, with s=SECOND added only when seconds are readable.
h=10 m=22
